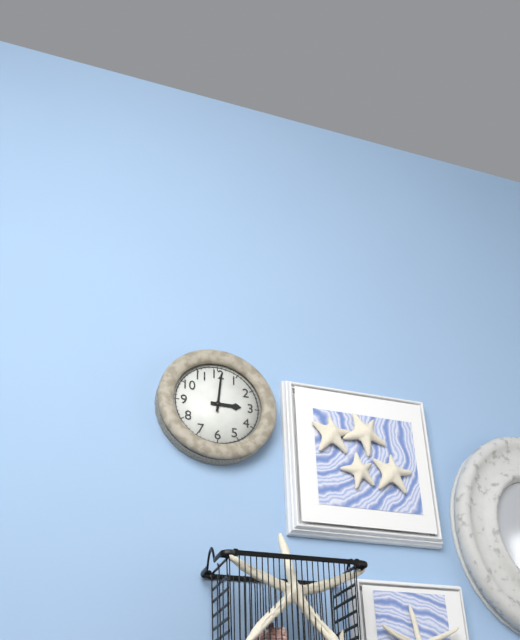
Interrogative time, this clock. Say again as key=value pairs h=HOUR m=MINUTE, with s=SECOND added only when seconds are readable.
h=3 m=1
